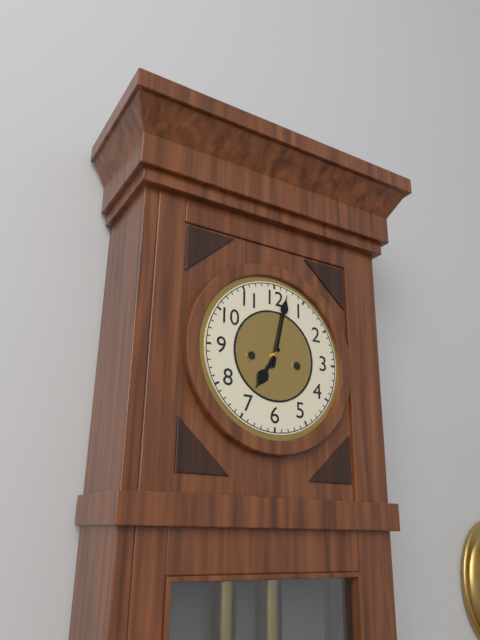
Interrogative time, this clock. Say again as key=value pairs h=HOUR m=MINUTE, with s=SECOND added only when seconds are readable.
h=7 m=2
